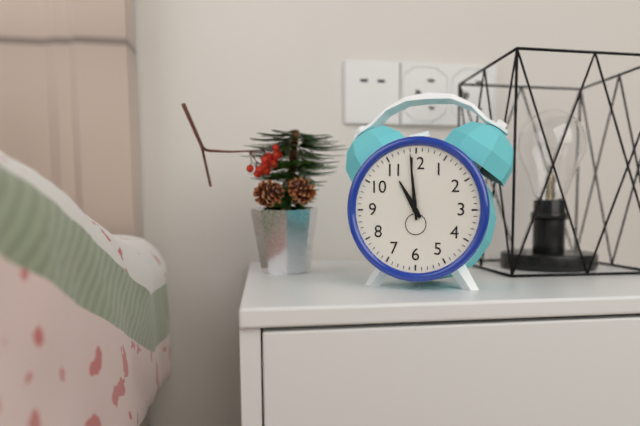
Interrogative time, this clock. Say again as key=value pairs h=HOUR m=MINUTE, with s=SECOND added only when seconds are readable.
h=10 m=59
